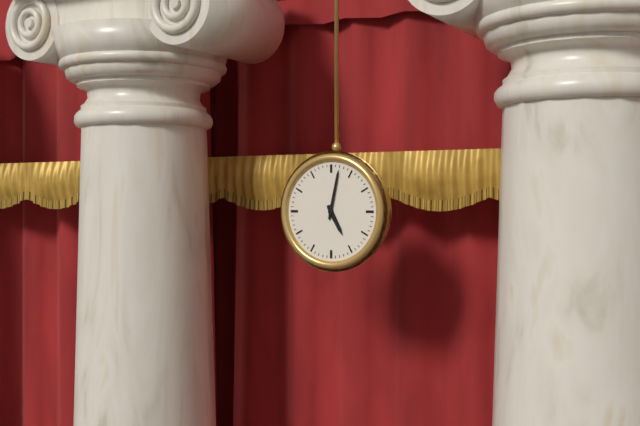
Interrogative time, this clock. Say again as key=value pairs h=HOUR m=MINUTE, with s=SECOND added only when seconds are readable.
h=5 m=2
